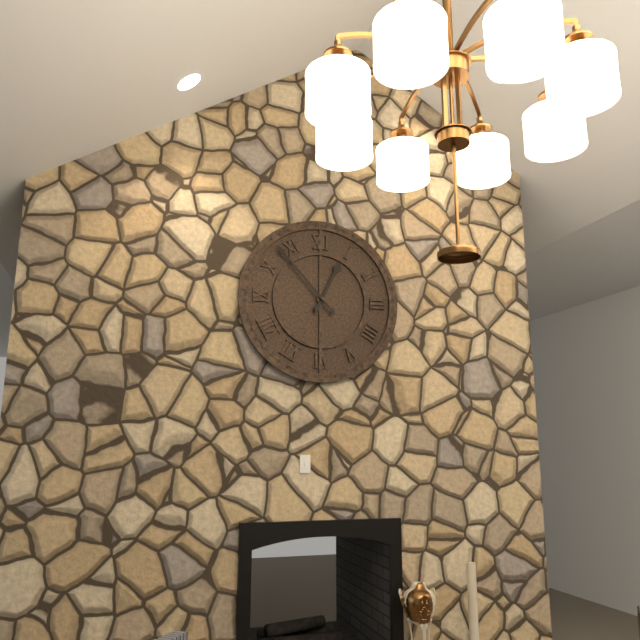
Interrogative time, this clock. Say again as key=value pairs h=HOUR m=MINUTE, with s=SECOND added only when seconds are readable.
h=12 m=53
